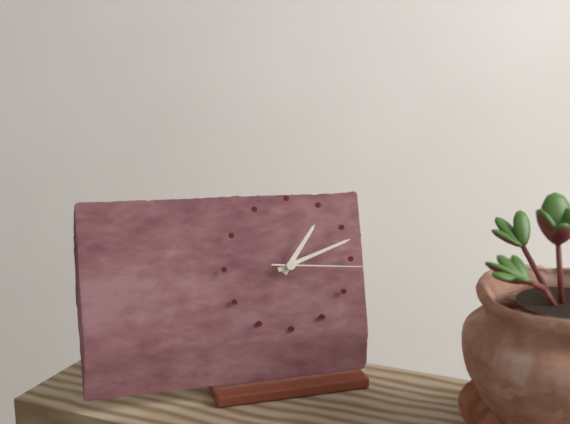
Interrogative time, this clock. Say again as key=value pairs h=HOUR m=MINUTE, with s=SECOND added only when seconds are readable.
h=1 m=12 s=16
